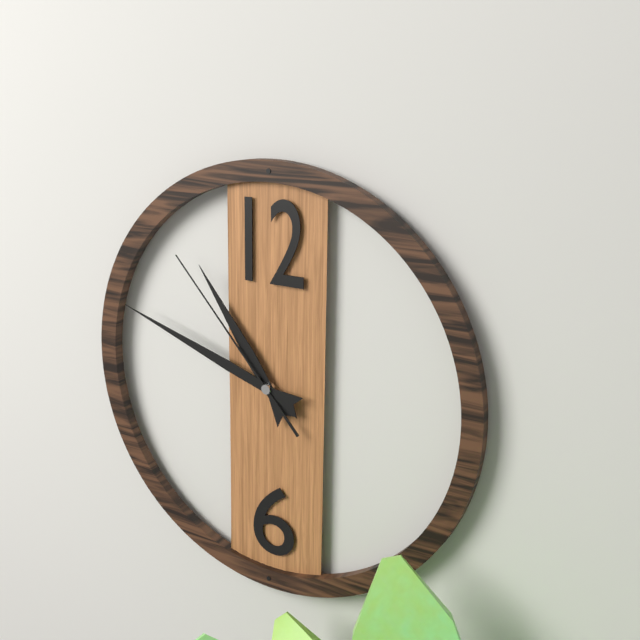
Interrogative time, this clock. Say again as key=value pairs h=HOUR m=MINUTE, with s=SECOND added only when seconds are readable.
h=10 m=48 s=53
